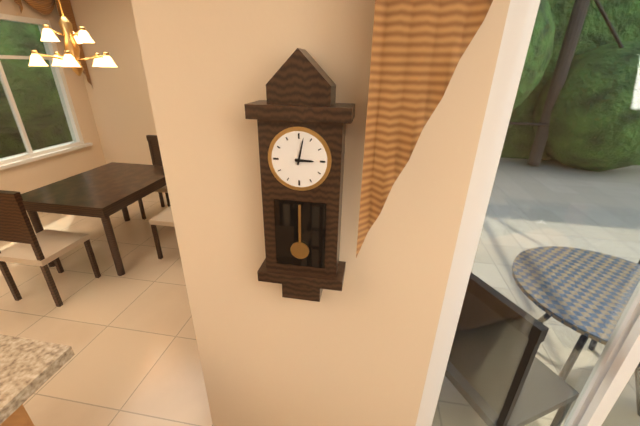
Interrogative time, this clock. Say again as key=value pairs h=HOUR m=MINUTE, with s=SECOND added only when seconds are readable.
h=3 m=2
